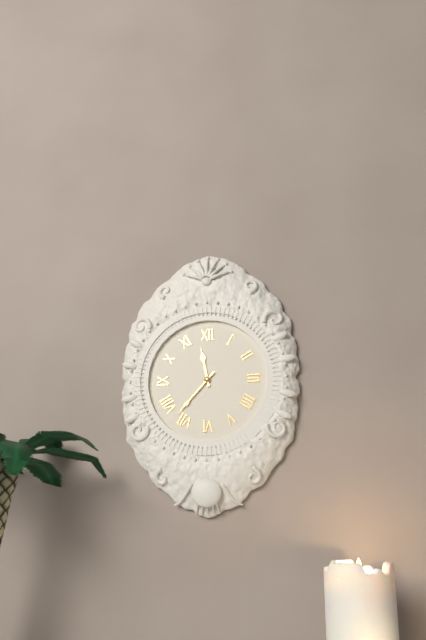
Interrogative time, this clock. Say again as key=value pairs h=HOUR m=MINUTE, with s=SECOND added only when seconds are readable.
h=11 m=37
